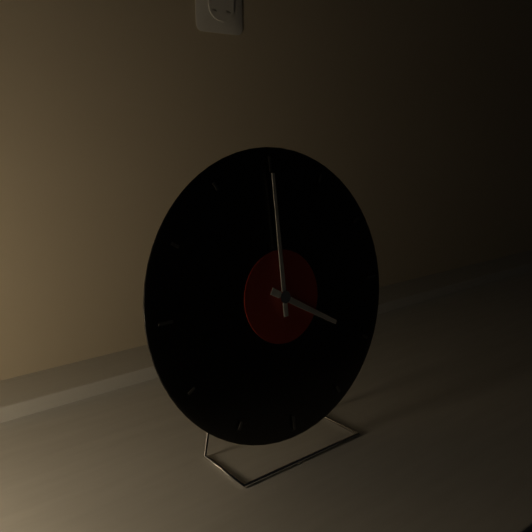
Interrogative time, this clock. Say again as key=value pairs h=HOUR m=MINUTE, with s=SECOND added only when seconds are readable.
h=4 m=0
